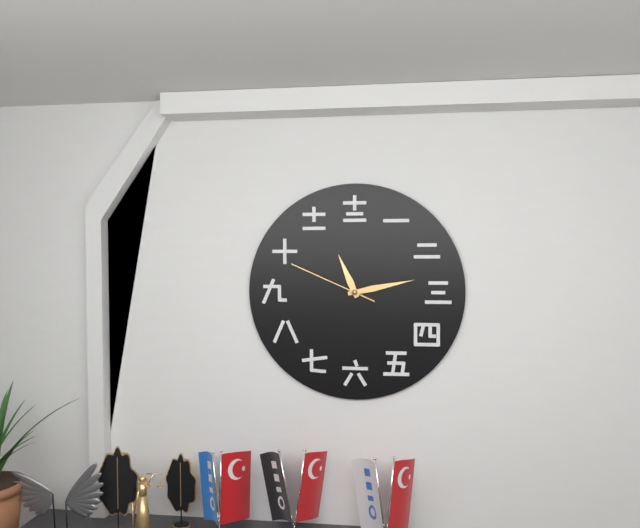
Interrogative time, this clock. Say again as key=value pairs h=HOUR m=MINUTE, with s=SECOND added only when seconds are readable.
h=11 m=13 s=49
